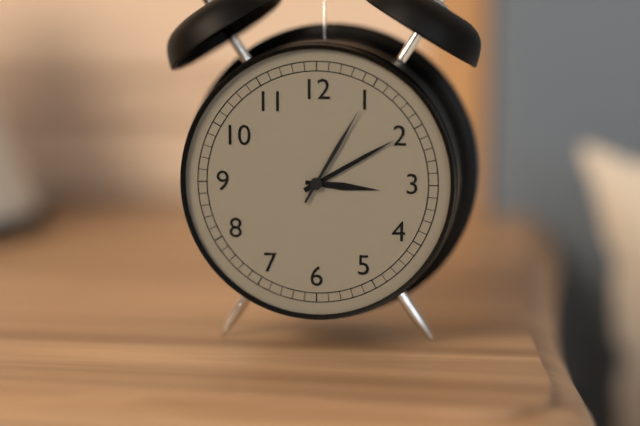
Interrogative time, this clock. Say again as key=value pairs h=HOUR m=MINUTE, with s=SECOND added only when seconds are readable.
h=3 m=10 s=5
